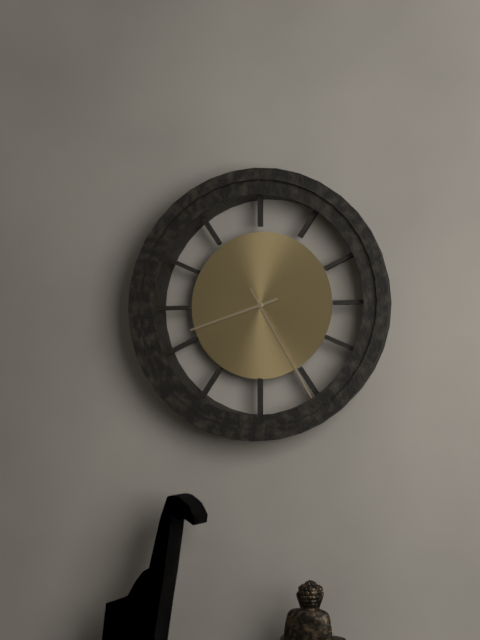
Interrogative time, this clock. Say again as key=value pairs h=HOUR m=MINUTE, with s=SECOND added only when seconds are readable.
h=8 m=25
